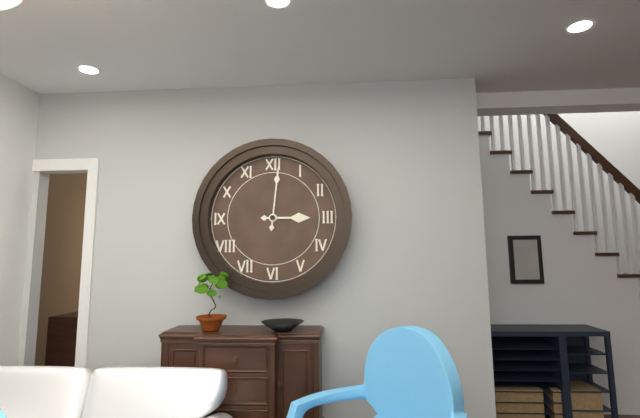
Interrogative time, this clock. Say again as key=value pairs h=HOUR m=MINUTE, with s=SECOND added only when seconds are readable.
h=3 m=1
